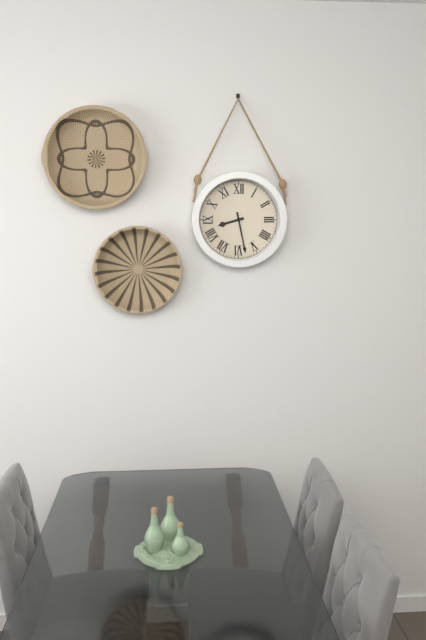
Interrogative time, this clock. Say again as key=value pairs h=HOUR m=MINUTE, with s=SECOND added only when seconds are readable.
h=8 m=28
